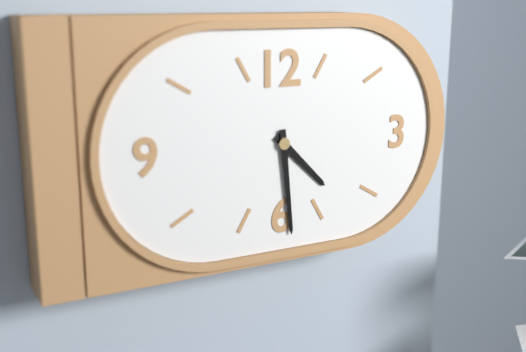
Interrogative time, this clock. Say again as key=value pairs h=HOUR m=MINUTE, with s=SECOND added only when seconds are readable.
h=4 m=29
